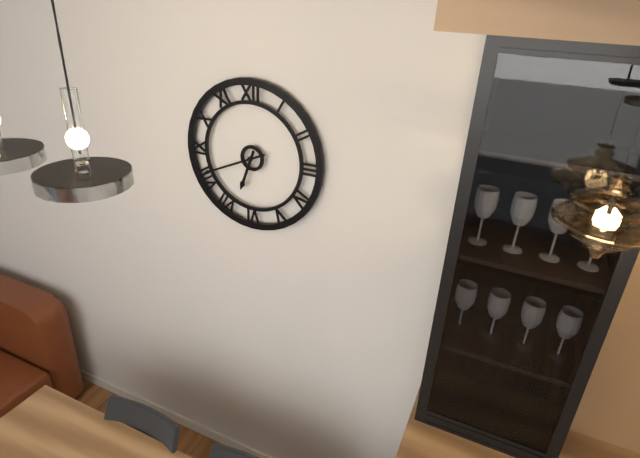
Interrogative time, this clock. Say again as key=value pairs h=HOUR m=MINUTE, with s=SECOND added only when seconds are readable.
h=6 m=41
